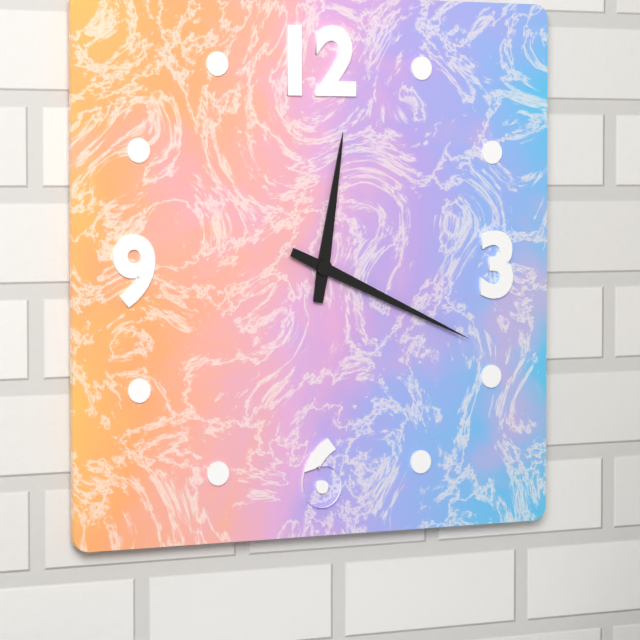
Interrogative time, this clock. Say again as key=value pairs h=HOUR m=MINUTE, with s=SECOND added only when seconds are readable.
h=12 m=19
